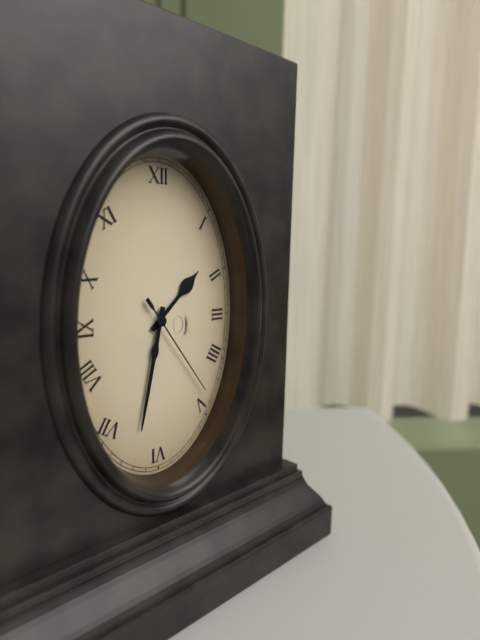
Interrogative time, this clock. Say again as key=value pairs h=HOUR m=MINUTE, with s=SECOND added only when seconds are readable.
h=1 m=32 s=24
